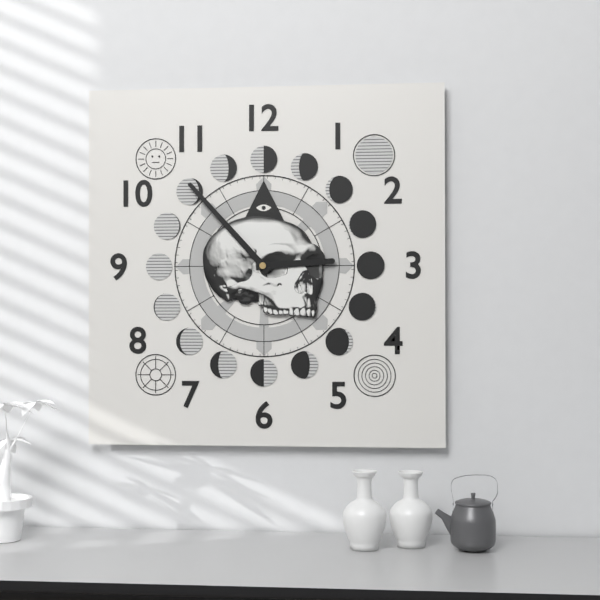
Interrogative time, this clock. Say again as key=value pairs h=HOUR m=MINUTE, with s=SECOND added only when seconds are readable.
h=2 m=53
